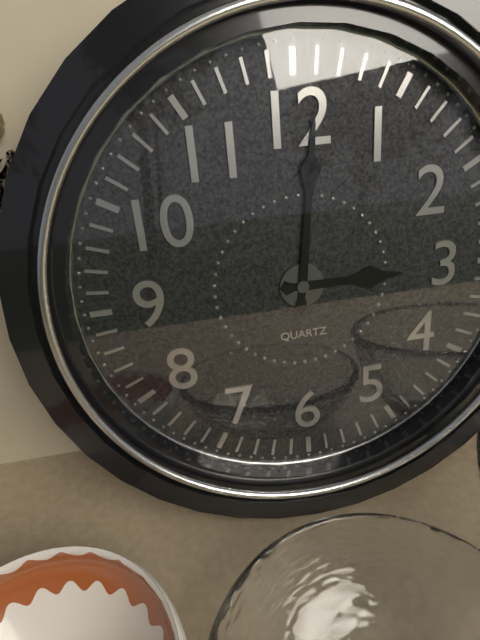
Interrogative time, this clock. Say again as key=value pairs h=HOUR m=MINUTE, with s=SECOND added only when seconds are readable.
h=3 m=1
